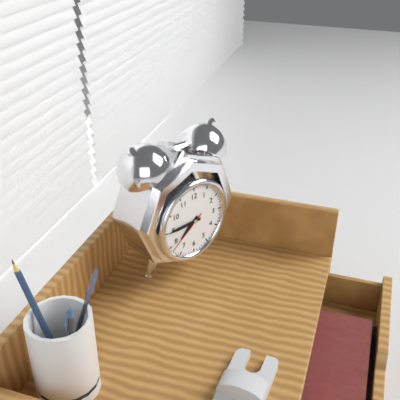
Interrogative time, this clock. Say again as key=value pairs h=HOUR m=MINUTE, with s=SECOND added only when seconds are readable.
h=7 m=45
